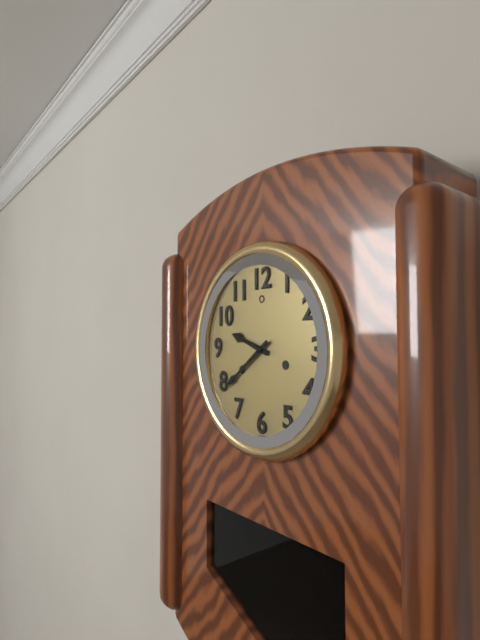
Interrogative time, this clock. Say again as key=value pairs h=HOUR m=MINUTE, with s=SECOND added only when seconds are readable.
h=9 m=39
